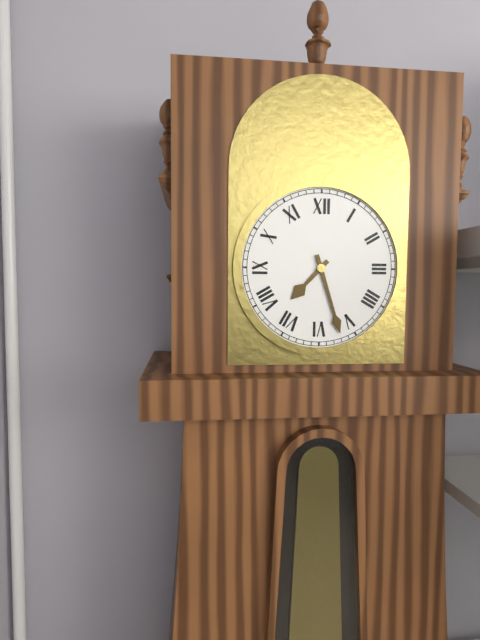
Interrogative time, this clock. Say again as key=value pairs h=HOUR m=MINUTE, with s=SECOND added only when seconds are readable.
h=7 m=27
